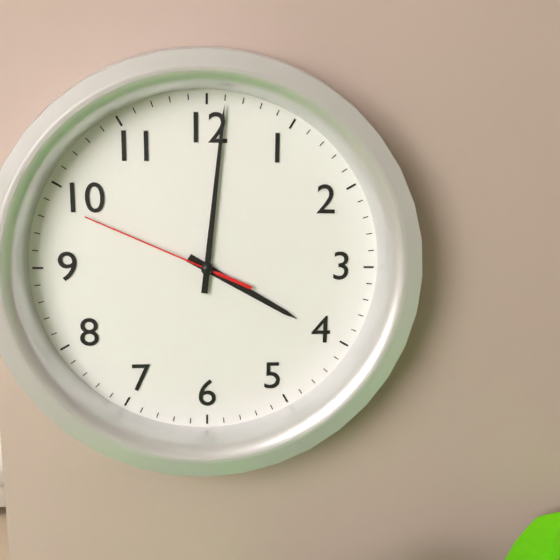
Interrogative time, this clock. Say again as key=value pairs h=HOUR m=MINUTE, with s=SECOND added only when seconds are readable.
h=4 m=1 s=49
